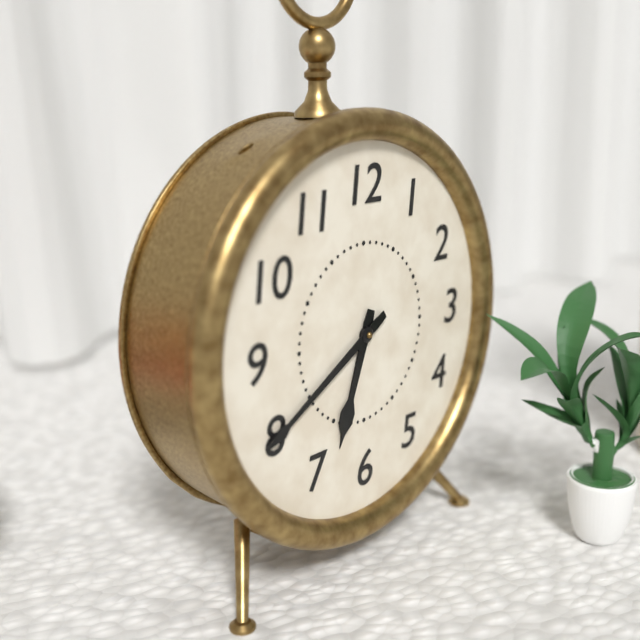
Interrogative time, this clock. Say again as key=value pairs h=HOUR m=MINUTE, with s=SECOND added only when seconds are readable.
h=6 m=40
